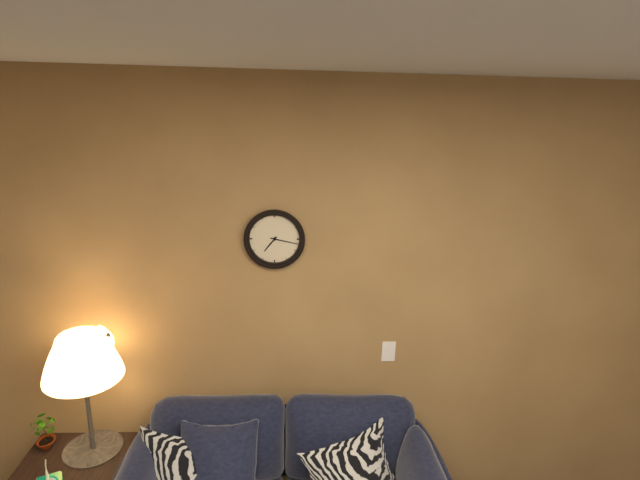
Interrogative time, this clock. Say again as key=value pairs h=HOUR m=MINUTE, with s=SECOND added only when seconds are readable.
h=7 m=17
